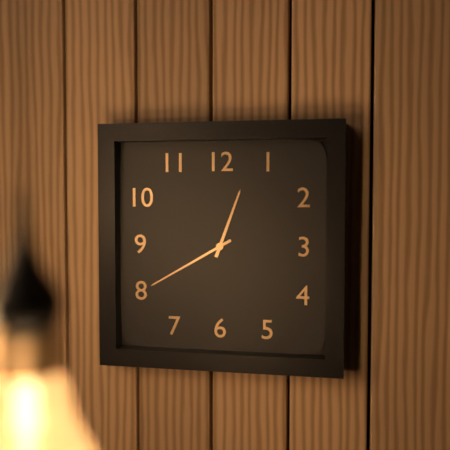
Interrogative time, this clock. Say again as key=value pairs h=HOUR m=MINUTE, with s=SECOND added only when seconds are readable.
h=12 m=40
